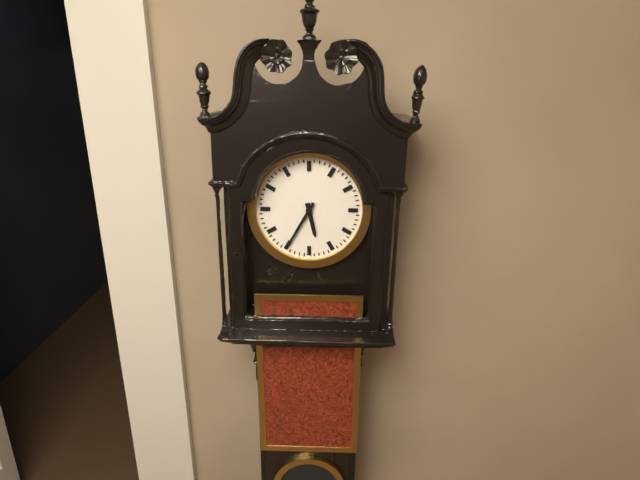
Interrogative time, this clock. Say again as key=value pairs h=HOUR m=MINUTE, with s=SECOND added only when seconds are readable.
h=5 m=35
